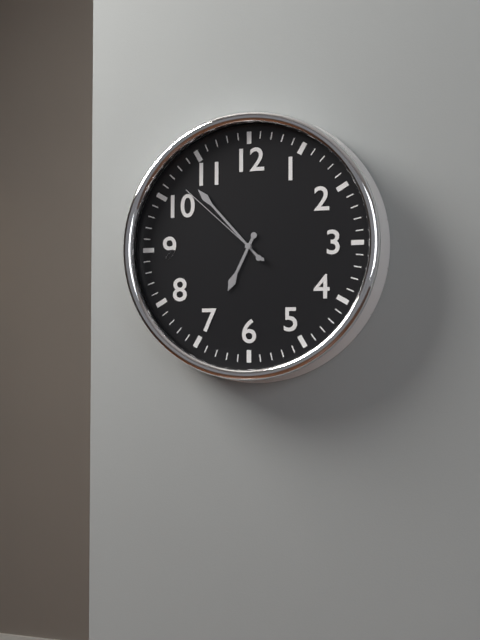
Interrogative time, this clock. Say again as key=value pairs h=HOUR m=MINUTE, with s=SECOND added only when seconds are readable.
h=6 m=53 s=52
